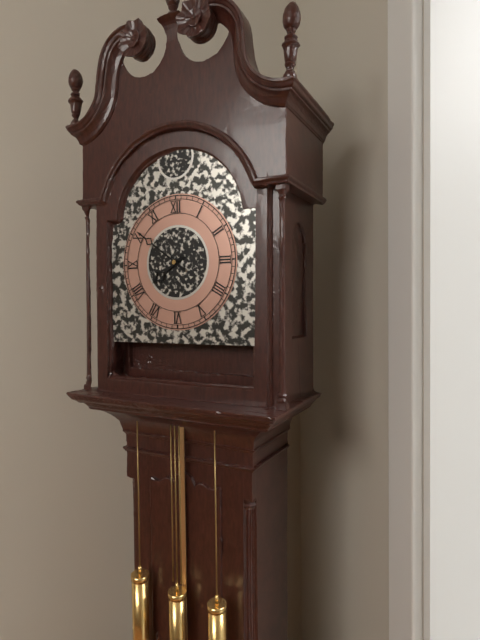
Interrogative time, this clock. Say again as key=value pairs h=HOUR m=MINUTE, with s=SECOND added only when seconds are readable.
h=7 m=51
